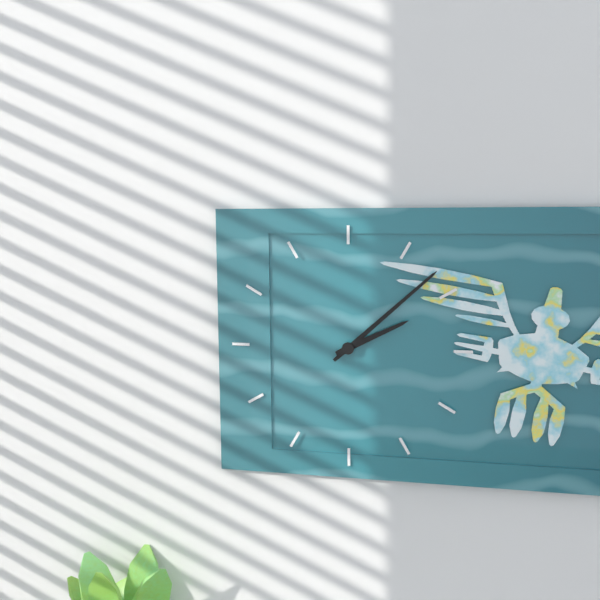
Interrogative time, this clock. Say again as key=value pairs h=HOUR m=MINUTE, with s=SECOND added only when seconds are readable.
h=2 m=8
